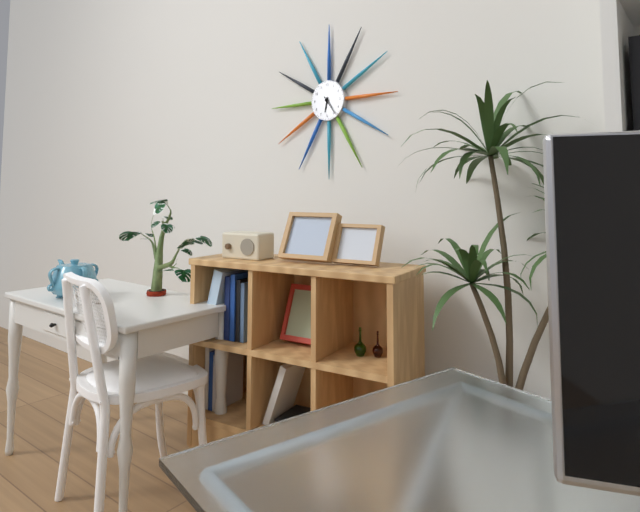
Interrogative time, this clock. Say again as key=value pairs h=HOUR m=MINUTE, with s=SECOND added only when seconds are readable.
h=6 m=24
